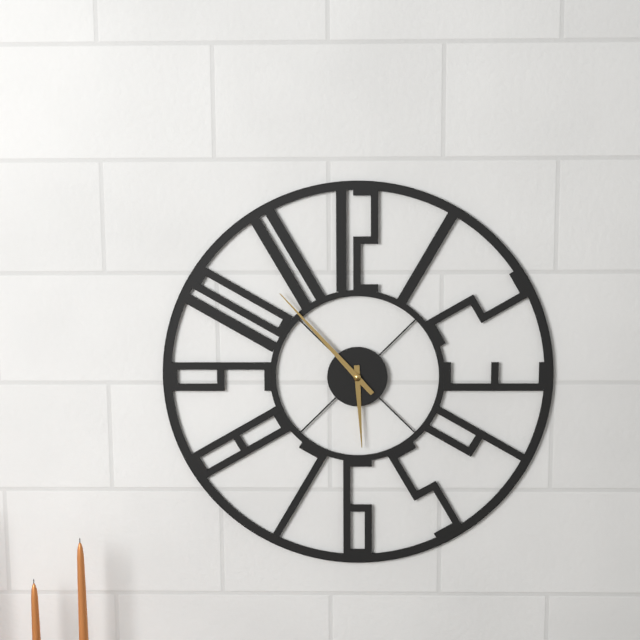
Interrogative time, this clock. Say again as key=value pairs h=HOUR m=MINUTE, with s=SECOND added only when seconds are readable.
h=5 m=53
